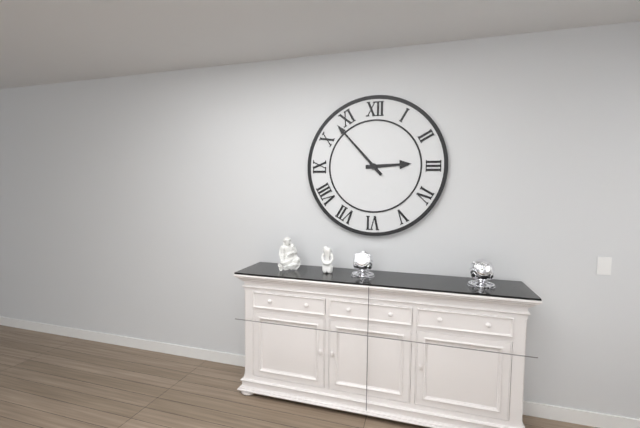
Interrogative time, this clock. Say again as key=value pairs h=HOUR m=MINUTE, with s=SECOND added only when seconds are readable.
h=2 m=53
